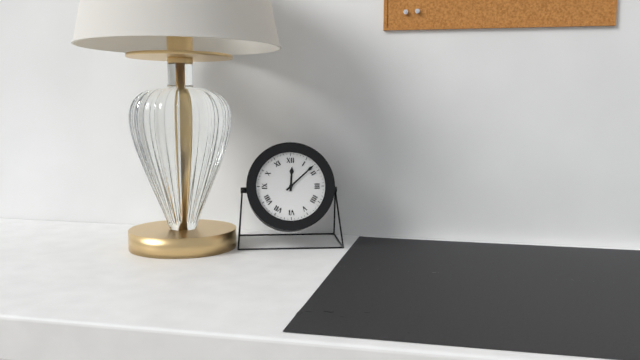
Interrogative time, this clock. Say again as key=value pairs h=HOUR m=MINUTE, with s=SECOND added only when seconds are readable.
h=12 m=8
